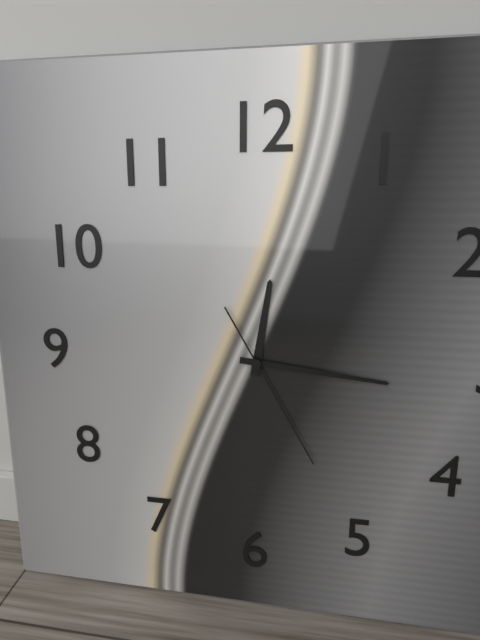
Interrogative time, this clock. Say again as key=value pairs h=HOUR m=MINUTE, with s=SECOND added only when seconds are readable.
h=12 m=16 s=25
